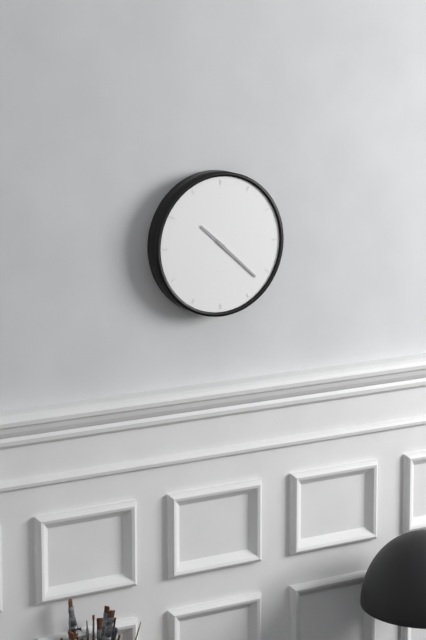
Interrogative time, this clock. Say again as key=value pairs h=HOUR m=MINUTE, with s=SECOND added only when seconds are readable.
h=10 m=22
